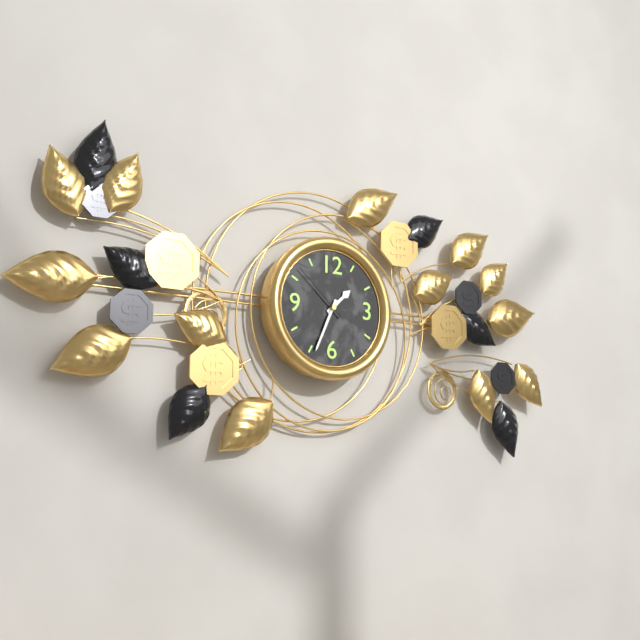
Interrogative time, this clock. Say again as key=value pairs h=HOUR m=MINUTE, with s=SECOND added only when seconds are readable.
h=1 m=34 s=52
